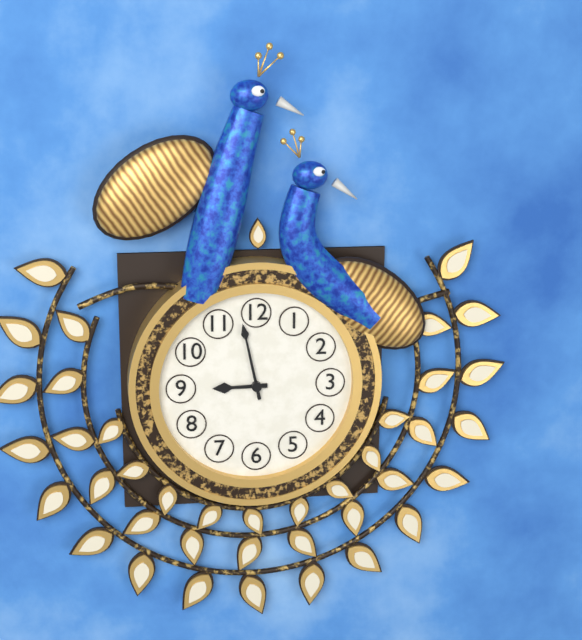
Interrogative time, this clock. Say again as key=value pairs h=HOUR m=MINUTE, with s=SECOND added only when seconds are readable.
h=8 m=58
